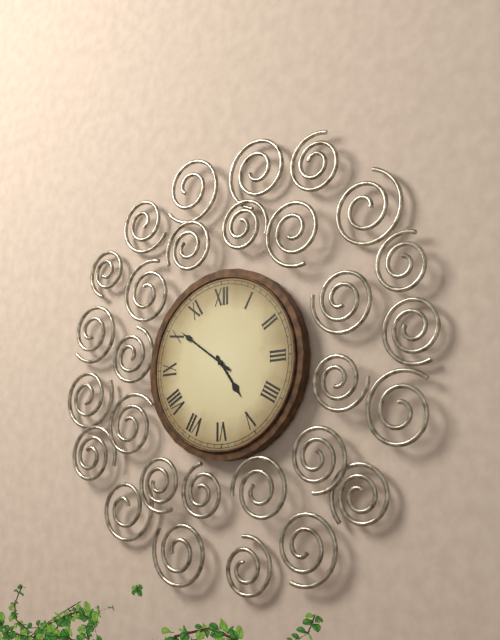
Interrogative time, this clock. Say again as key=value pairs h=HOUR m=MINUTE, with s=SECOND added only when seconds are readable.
h=4 m=51
